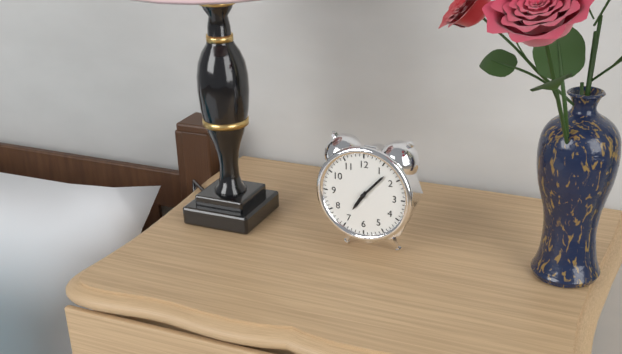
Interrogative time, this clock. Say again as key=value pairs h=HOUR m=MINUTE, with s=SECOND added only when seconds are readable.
h=7 m=7
